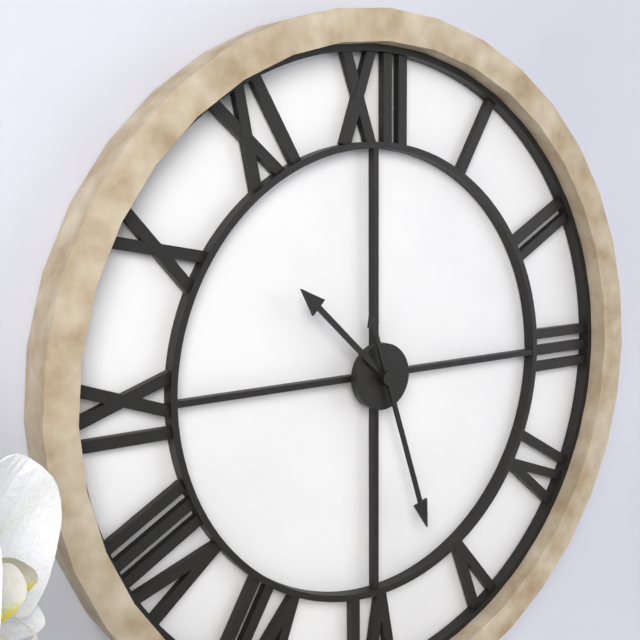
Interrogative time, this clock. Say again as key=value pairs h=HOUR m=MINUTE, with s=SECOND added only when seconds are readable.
h=10 m=27
